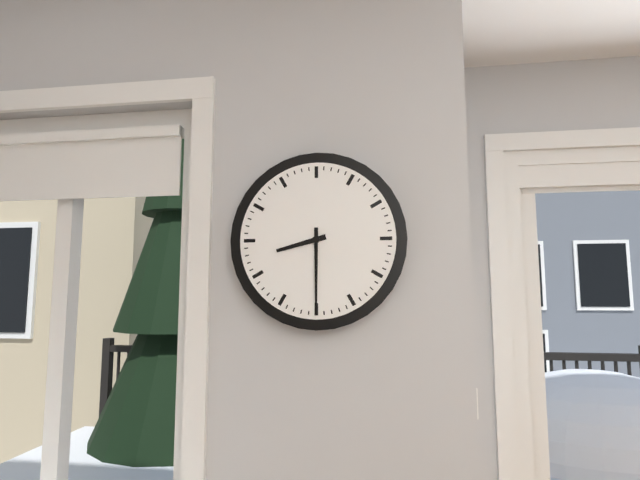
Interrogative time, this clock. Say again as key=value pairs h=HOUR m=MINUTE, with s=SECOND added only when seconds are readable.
h=8 m=30
